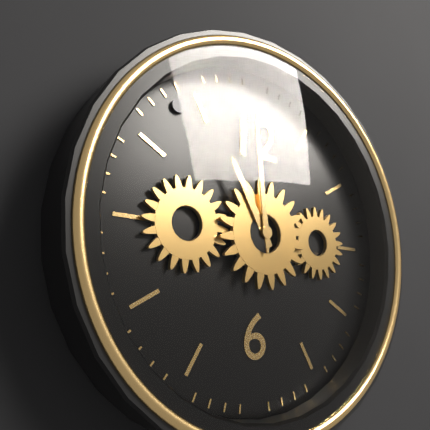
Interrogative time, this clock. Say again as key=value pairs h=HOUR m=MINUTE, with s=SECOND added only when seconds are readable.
h=10 m=59
